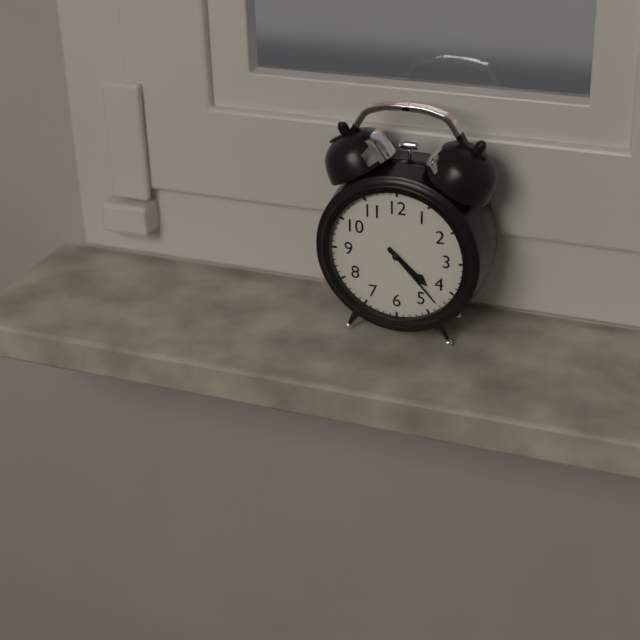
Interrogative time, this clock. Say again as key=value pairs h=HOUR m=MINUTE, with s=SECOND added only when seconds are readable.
h=4 m=23
